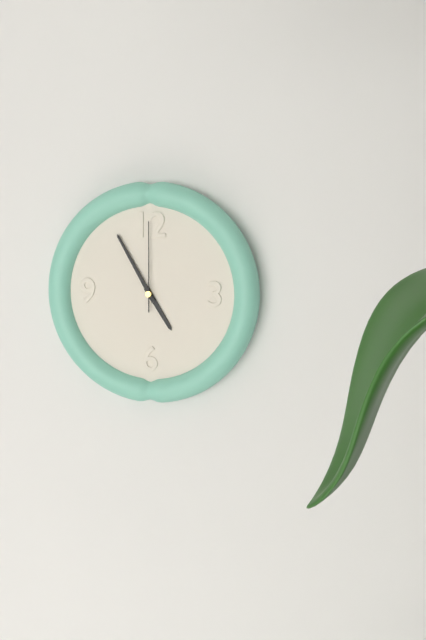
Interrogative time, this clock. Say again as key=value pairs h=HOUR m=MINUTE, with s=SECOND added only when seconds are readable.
h=4 m=55 s=0
